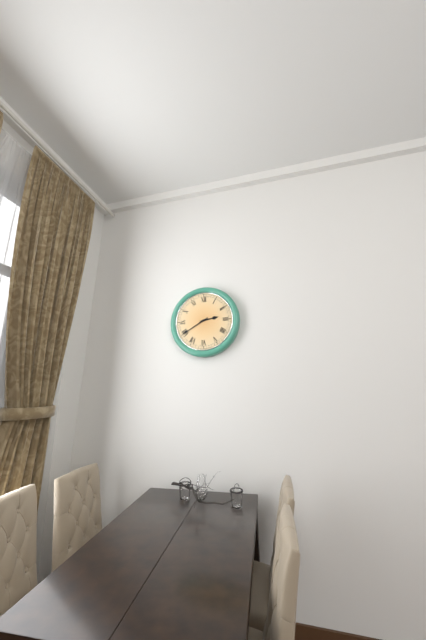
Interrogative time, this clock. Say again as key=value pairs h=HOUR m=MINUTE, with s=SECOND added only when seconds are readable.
h=2 m=40
